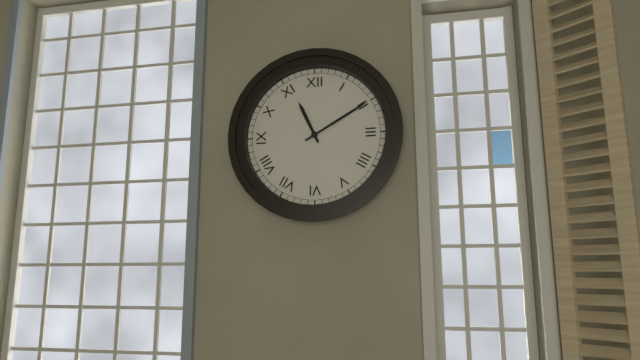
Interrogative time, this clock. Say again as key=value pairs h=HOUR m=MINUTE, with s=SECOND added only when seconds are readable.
h=11 m=10
